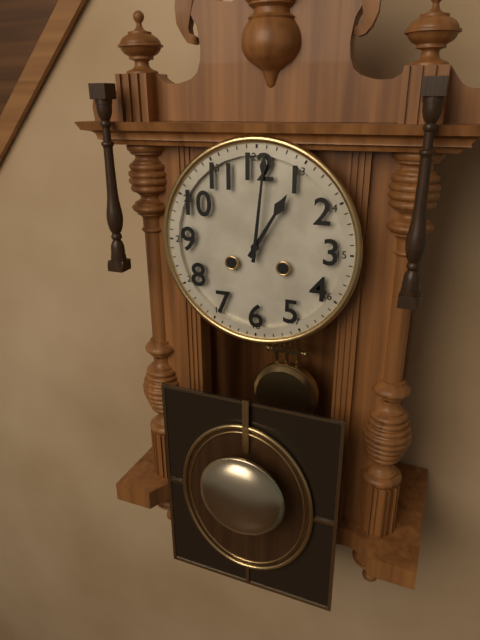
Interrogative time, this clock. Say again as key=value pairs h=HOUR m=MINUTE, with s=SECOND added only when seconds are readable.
h=1 m=1
